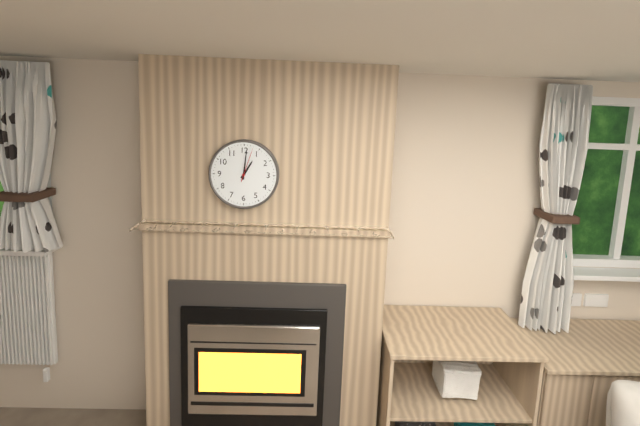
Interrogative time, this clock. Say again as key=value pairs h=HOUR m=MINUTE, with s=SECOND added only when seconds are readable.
h=1 m=1
